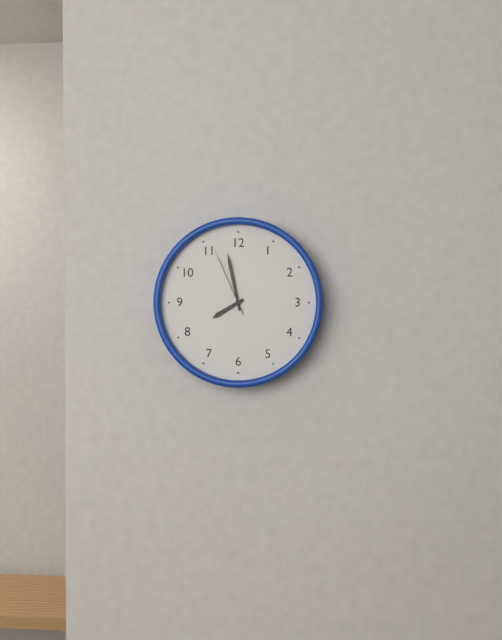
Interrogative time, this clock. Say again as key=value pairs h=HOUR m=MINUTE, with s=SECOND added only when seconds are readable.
h=7 m=58 s=56
